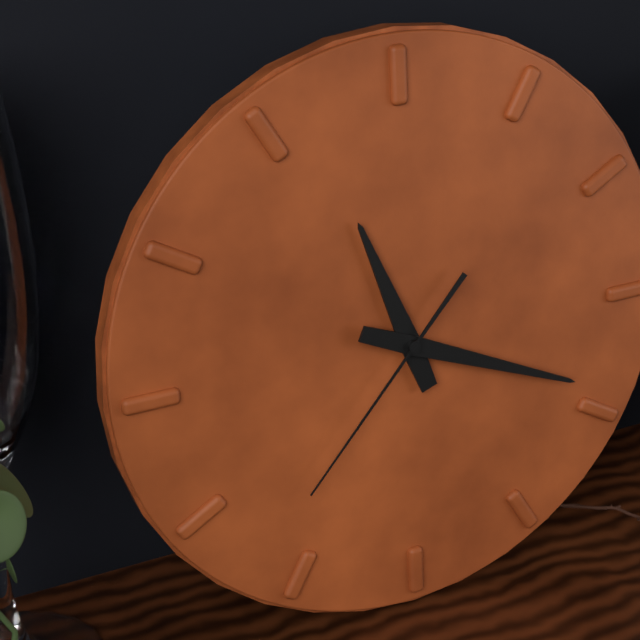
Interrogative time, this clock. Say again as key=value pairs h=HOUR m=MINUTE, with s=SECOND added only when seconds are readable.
h=11 m=19 s=37
